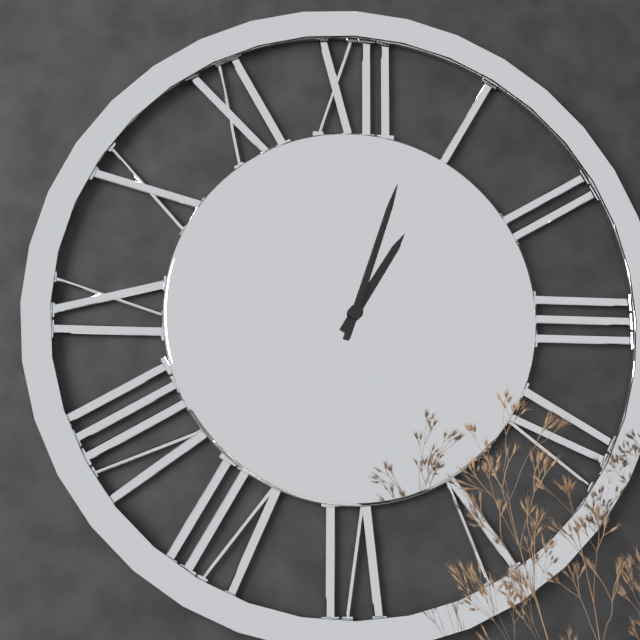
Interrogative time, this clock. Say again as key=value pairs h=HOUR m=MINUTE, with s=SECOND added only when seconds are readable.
h=1 m=3
